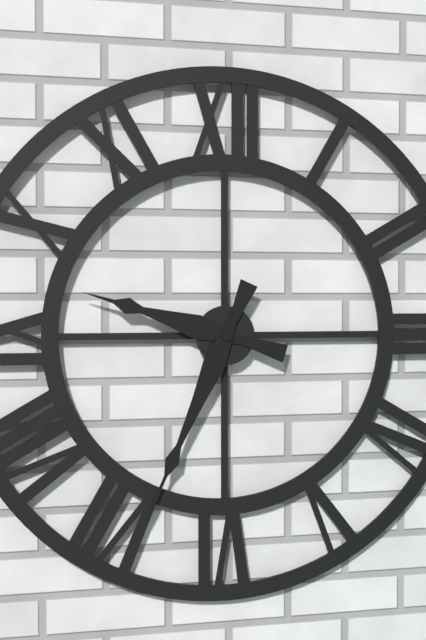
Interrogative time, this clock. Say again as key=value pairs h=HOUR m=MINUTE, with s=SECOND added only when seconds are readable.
h=9 m=34
